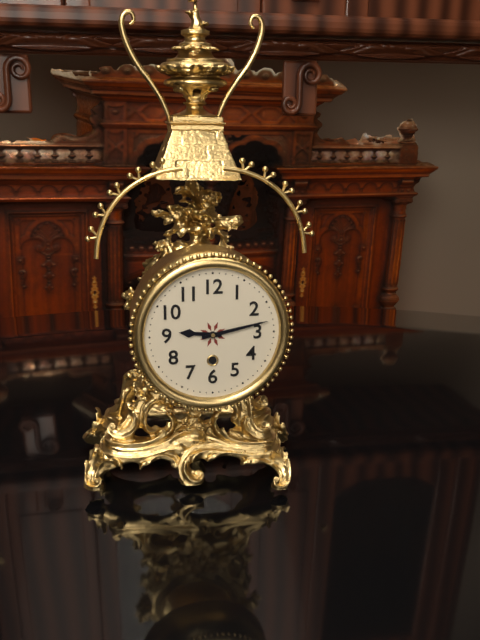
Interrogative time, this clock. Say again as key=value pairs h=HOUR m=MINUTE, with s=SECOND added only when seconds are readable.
h=9 m=13
